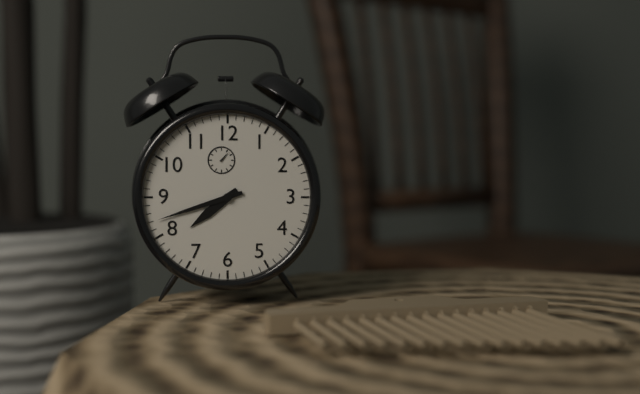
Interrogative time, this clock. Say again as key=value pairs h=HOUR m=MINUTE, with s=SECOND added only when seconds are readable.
h=7 m=42
